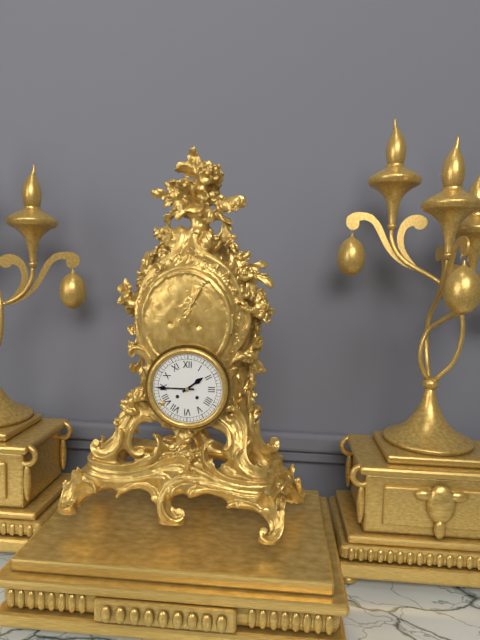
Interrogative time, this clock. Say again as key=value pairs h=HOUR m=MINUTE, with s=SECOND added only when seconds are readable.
h=1 m=45
